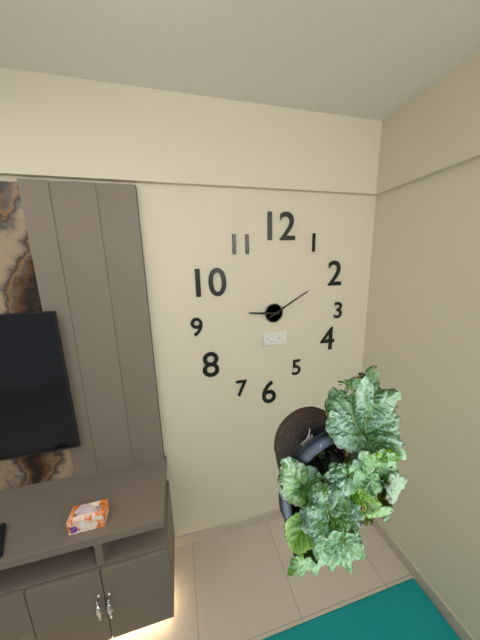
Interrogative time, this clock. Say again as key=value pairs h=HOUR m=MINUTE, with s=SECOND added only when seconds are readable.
h=9 m=10
